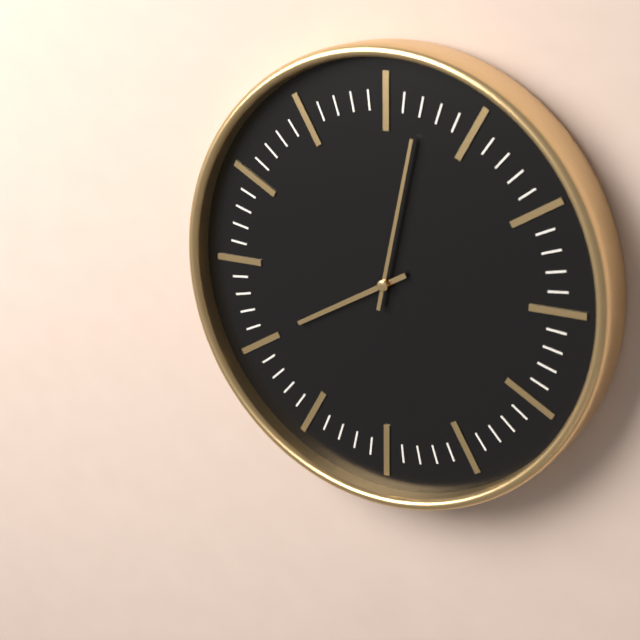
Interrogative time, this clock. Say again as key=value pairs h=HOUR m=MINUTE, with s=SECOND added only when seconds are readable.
h=8 m=2
